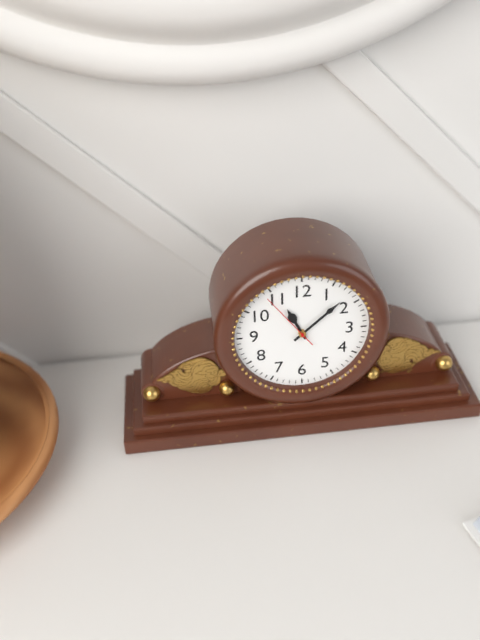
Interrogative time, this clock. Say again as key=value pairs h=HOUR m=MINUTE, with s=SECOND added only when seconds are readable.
h=11 m=8 s=54
